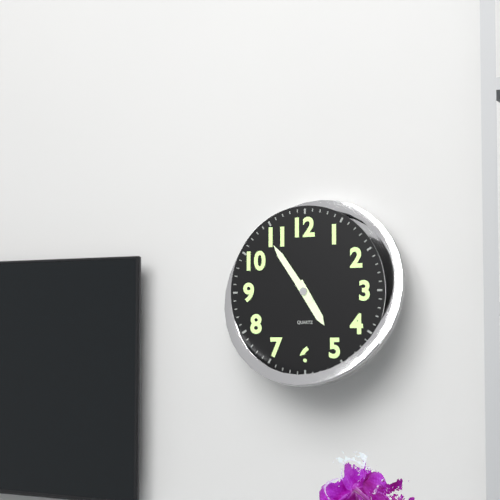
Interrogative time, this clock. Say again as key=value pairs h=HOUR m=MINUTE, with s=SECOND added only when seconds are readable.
h=4 m=54
